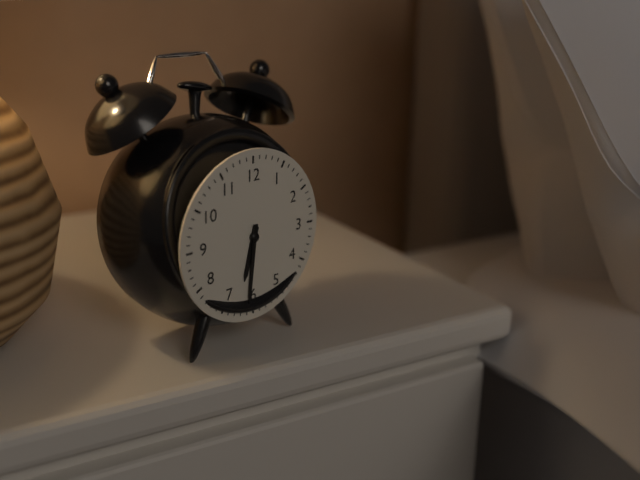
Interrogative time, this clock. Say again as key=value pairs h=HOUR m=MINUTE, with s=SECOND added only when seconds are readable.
h=6 m=31
